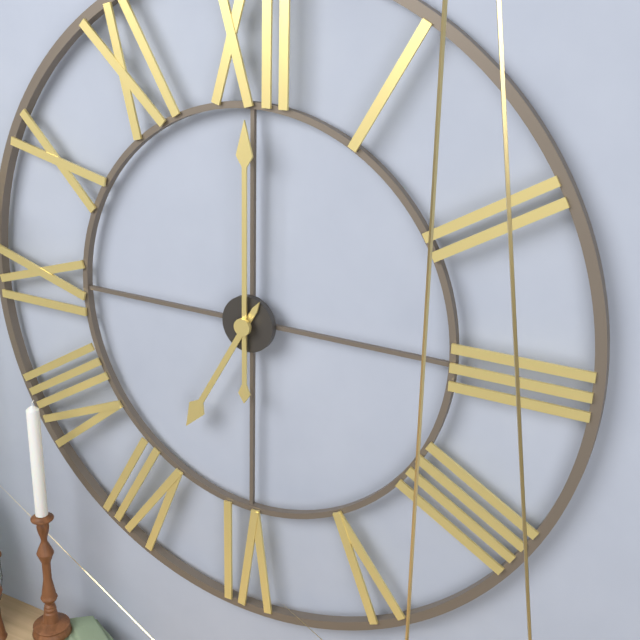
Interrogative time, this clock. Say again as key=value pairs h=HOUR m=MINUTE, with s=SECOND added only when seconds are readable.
h=7 m=0
